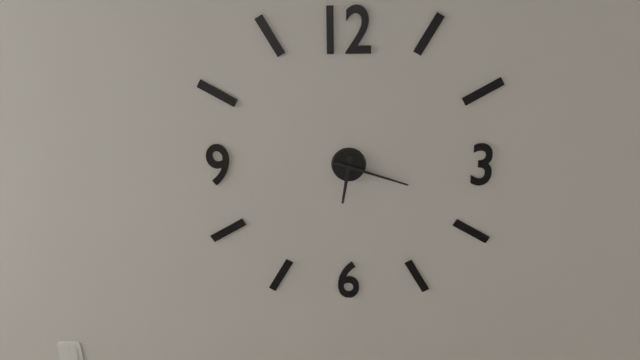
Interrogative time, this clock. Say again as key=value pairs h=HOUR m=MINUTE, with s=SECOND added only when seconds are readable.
h=6 m=18
